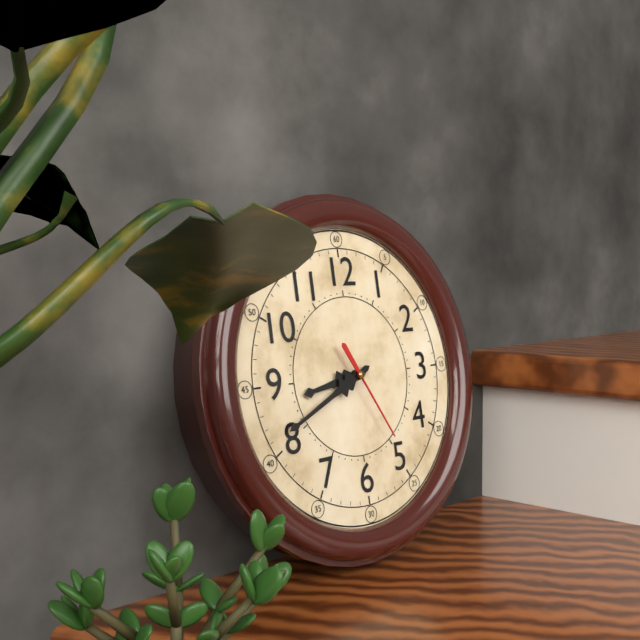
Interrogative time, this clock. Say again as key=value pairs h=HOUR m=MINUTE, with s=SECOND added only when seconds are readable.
h=8 m=41 s=25
